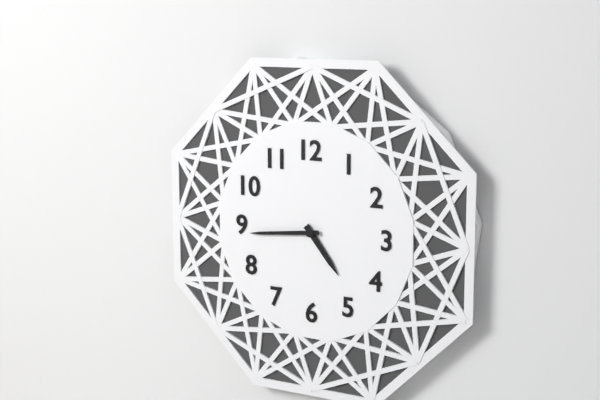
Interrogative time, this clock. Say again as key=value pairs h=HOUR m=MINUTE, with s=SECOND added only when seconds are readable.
h=4 m=44
